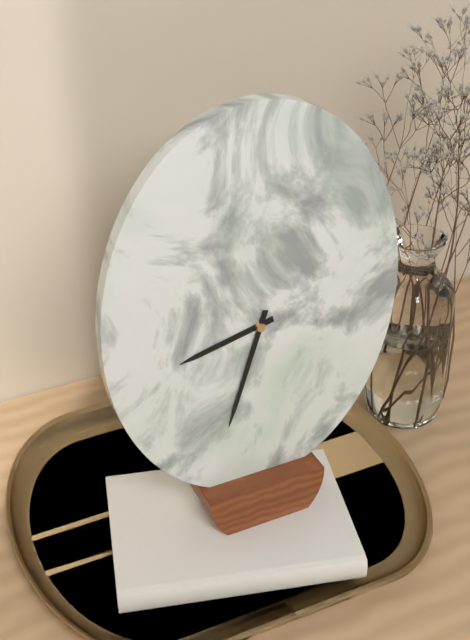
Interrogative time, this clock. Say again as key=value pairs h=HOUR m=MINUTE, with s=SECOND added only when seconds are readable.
h=8 m=33
